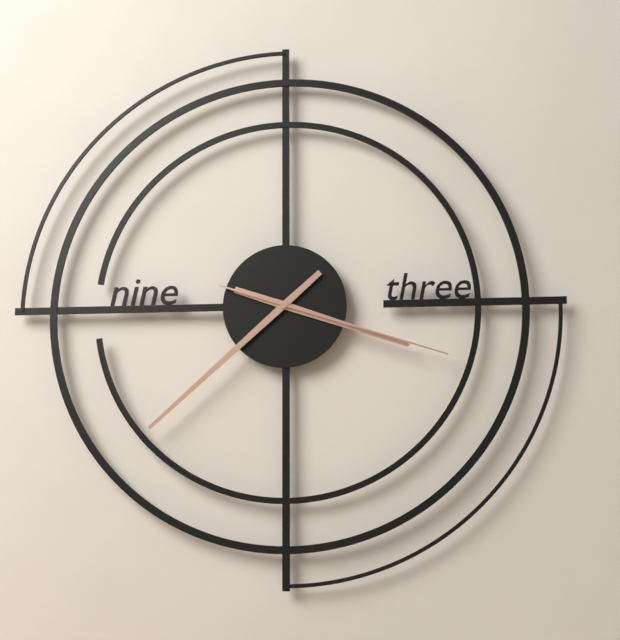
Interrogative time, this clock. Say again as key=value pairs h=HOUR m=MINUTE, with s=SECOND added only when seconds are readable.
h=3 m=38 s=18
